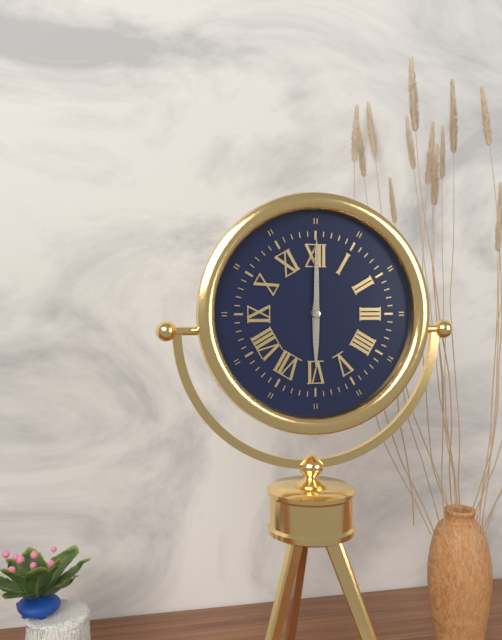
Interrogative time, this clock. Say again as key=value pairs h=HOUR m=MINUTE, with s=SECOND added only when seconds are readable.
h=6 m=0
